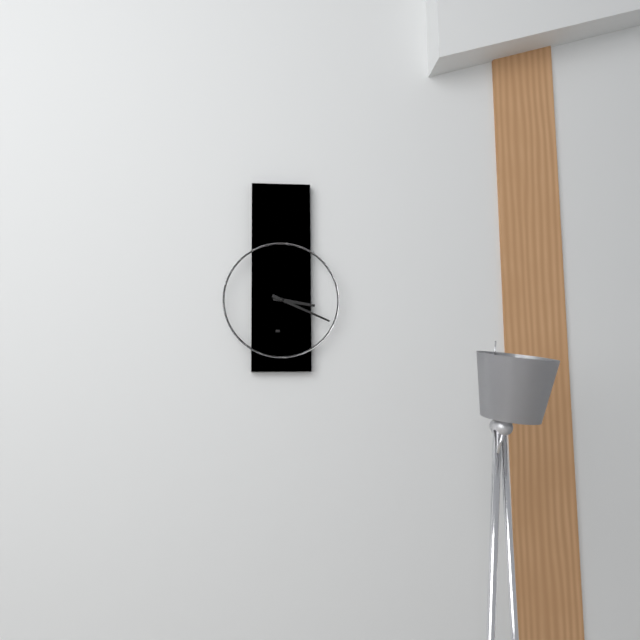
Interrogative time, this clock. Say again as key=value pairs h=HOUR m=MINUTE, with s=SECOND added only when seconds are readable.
h=3 m=19
